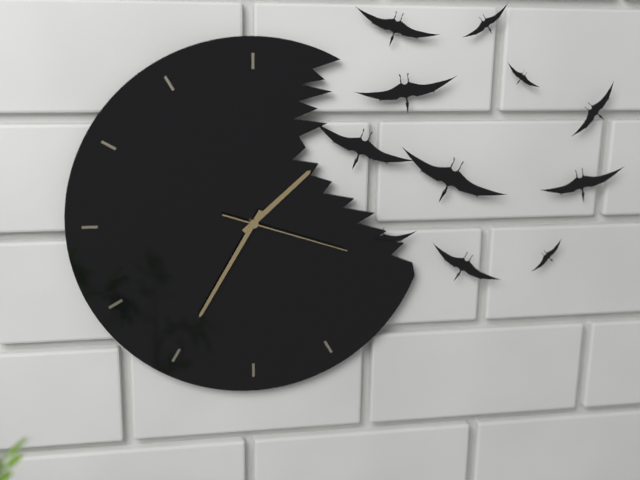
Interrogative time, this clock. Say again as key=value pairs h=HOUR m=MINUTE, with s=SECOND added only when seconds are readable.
h=1 m=35 s=18
